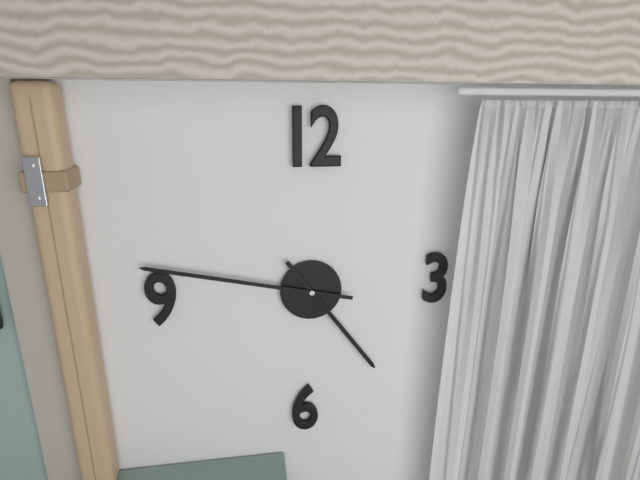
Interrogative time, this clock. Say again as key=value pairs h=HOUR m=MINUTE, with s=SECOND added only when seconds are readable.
h=4 m=47
